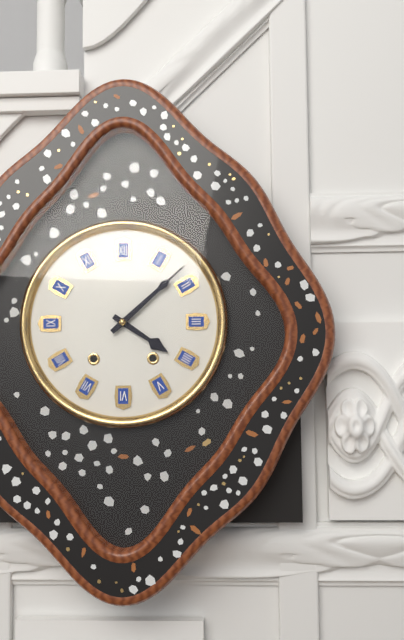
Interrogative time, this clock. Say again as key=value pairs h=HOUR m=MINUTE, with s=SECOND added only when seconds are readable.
h=4 m=8
